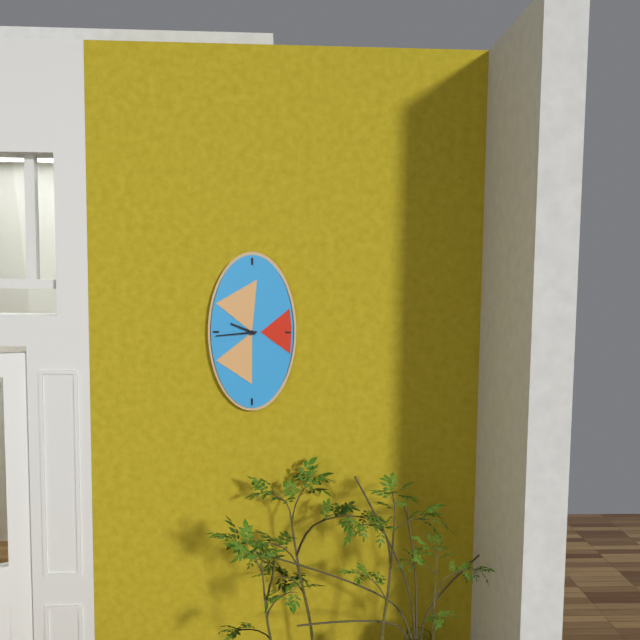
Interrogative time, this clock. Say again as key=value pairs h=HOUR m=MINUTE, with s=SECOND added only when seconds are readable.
h=9 m=44
